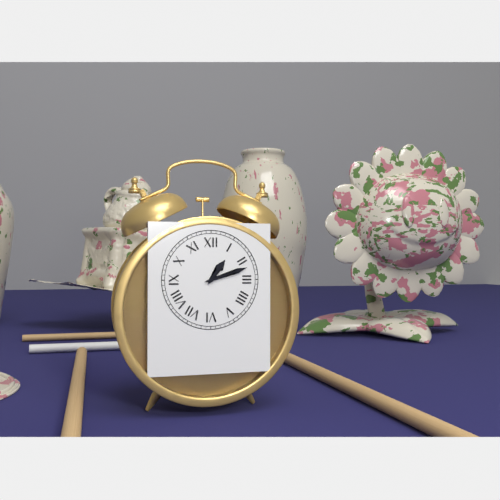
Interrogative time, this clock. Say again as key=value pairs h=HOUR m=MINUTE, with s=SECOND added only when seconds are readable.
h=1 m=12
